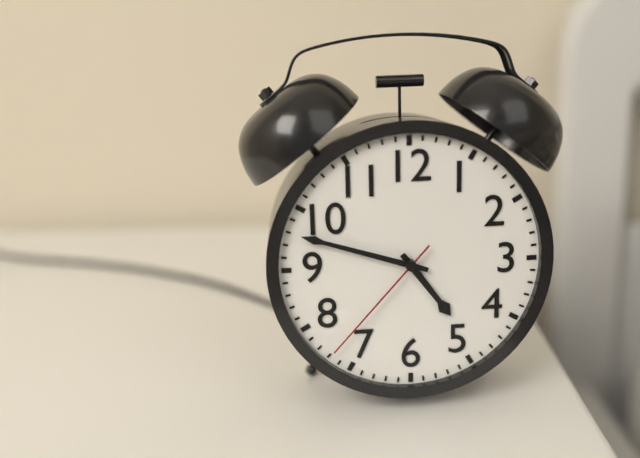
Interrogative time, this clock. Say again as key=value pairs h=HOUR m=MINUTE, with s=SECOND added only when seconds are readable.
h=4 m=48 s=37
